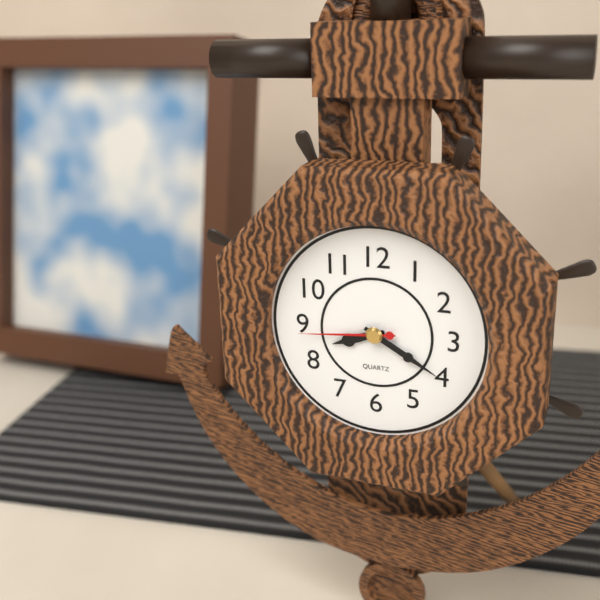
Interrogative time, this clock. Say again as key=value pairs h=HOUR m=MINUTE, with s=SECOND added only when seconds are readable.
h=8 m=20 s=44
